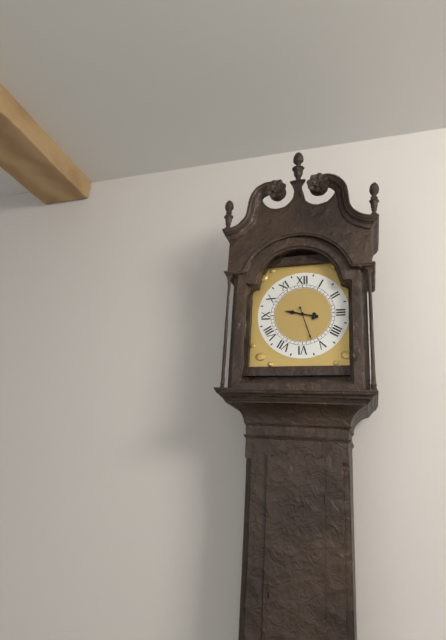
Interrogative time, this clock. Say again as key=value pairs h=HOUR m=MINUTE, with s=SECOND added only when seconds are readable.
h=9 m=27
